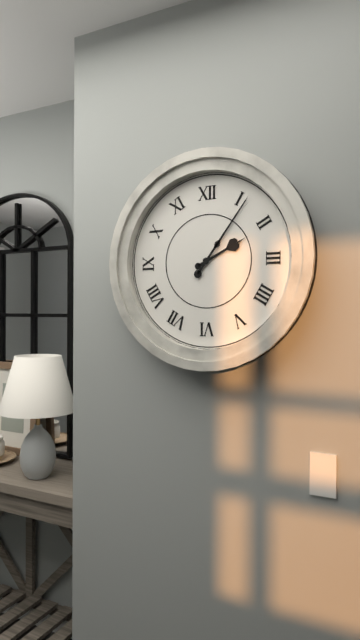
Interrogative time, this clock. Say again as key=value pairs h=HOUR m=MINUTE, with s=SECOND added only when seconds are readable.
h=2 m=6
